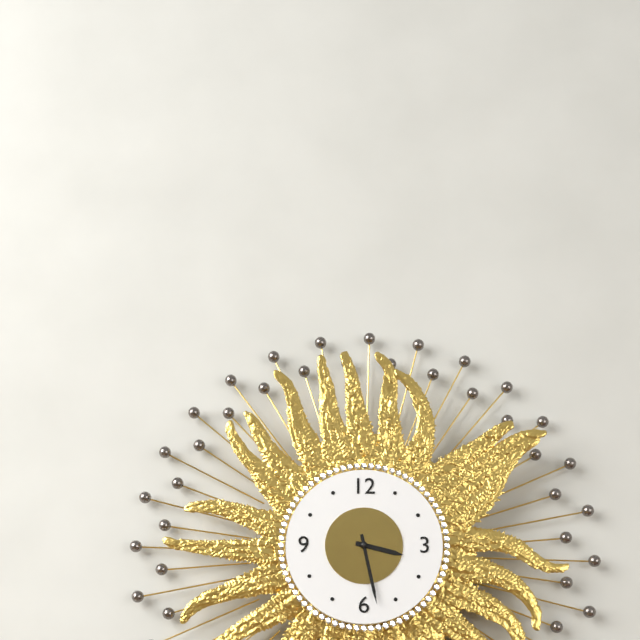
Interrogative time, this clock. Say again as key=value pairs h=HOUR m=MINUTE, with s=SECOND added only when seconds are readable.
h=3 m=28
